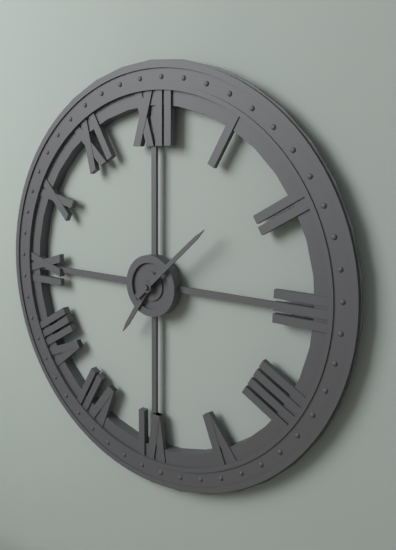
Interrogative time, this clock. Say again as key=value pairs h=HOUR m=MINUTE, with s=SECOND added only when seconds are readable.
h=7 m=8
